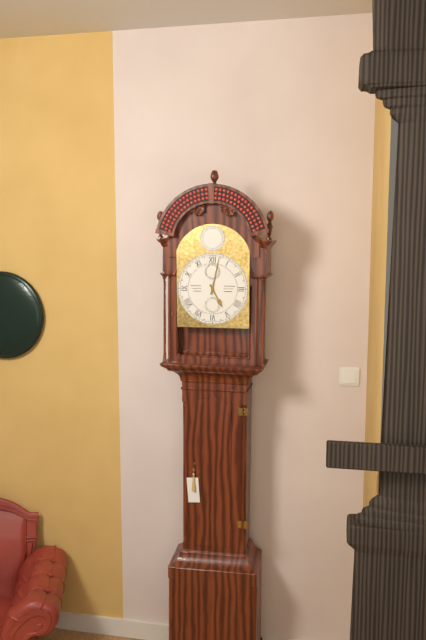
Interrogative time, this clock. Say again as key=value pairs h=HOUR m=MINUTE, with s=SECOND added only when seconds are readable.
h=5 m=2
